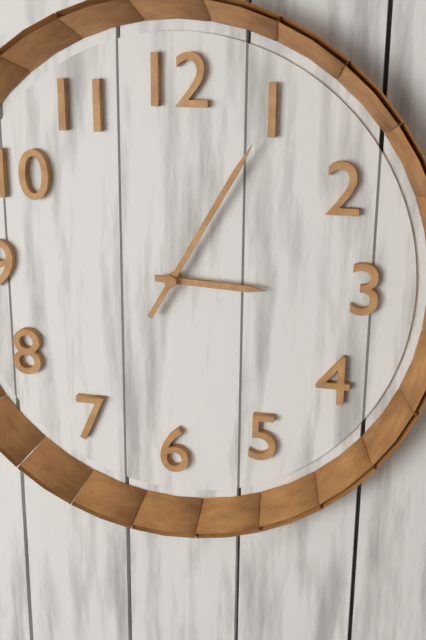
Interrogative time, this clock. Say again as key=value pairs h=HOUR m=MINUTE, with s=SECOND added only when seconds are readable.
h=3 m=5
